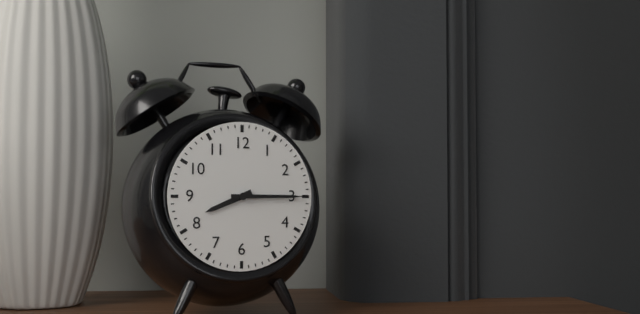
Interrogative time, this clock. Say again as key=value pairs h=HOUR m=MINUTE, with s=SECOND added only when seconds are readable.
h=8 m=15
